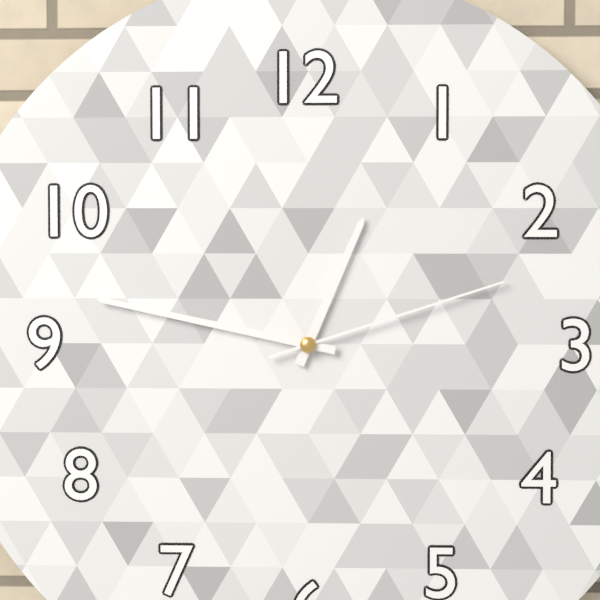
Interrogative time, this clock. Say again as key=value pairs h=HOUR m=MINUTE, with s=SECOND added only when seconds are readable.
h=12 m=47 s=12
